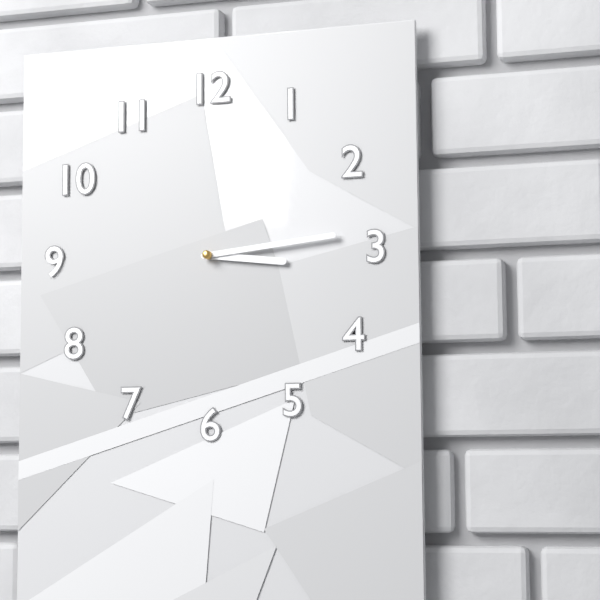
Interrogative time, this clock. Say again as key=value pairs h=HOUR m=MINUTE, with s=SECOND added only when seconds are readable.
h=3 m=14
